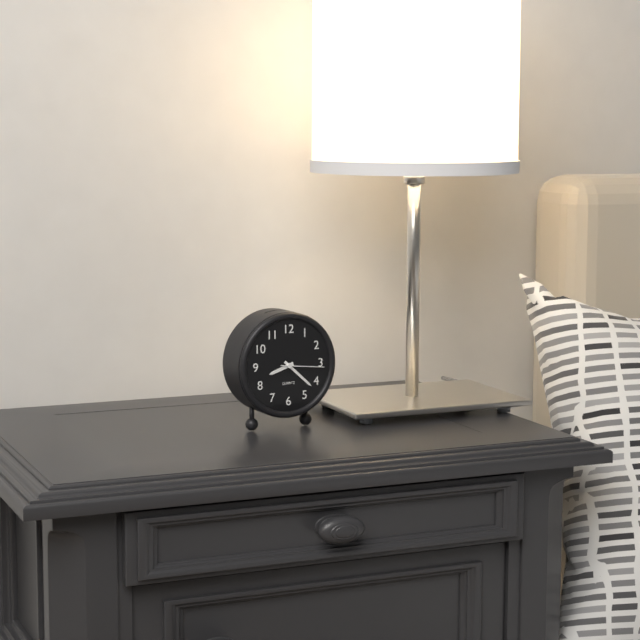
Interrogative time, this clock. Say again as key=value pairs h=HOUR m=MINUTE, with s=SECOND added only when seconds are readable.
h=8 m=22
